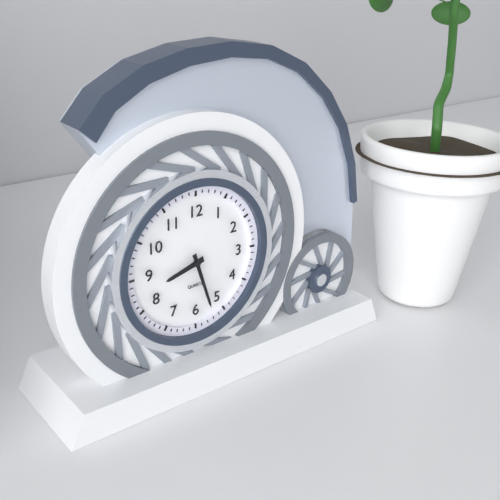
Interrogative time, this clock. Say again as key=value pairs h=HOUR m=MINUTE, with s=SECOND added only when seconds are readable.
h=8 m=27
